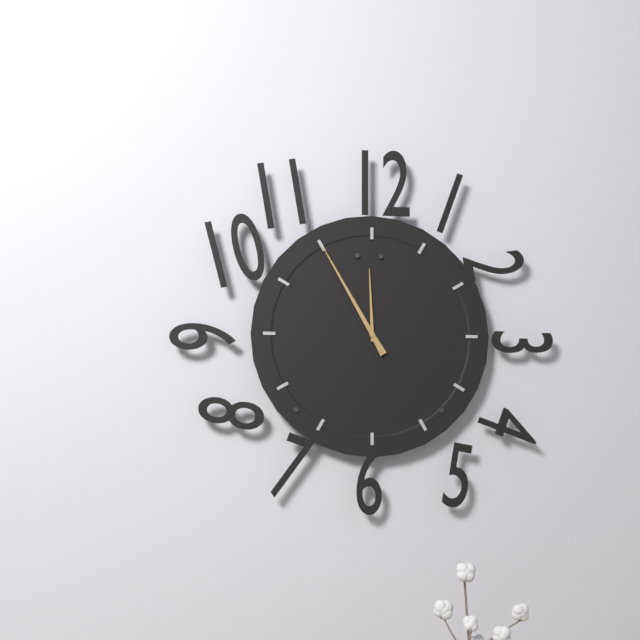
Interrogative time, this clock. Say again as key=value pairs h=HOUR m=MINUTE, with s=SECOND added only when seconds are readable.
h=11 m=55
